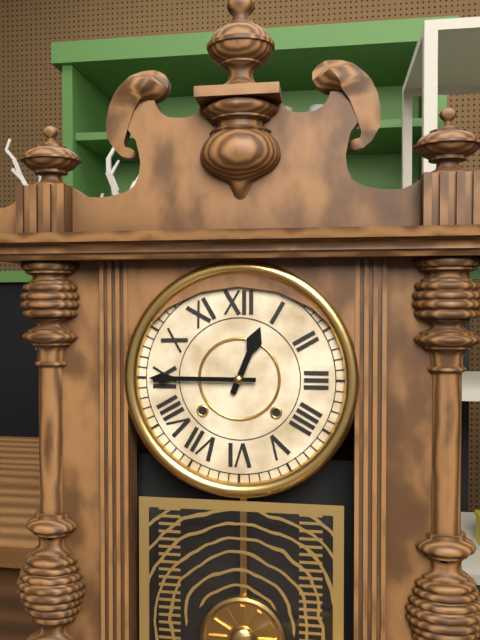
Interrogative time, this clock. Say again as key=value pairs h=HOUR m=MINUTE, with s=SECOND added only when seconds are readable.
h=12 m=45
